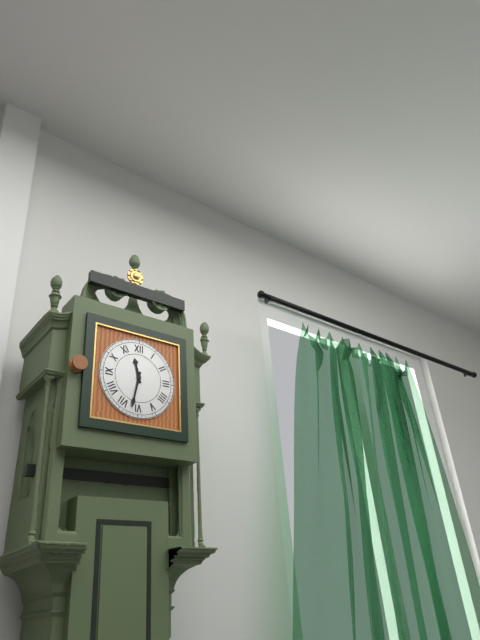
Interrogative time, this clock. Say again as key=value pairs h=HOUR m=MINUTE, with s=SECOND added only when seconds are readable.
h=11 m=32
